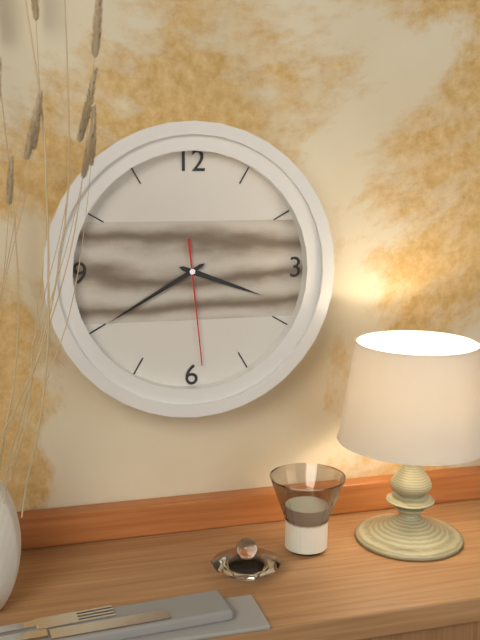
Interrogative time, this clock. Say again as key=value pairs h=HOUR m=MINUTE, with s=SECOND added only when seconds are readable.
h=3 m=40 s=29
